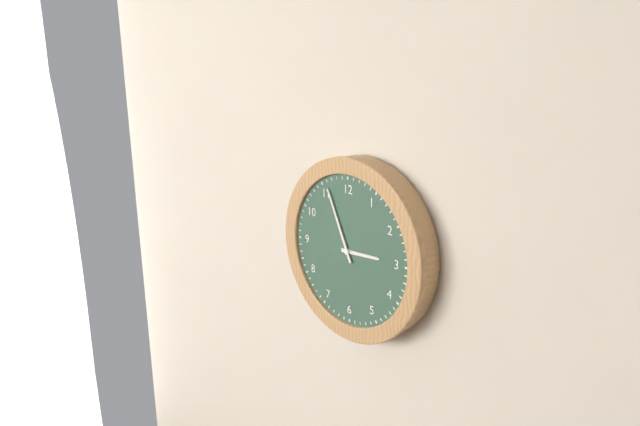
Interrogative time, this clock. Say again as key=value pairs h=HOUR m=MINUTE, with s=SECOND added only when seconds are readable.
h=2 m=56
